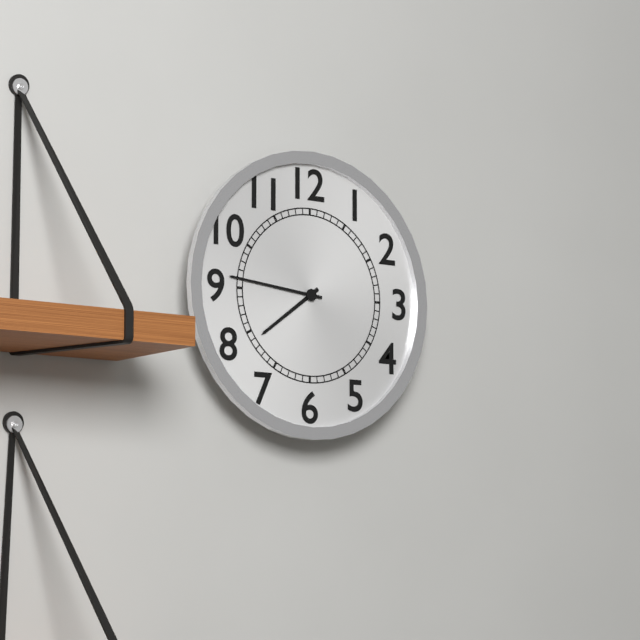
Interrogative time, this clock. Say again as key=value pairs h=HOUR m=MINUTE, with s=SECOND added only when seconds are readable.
h=7 m=46
